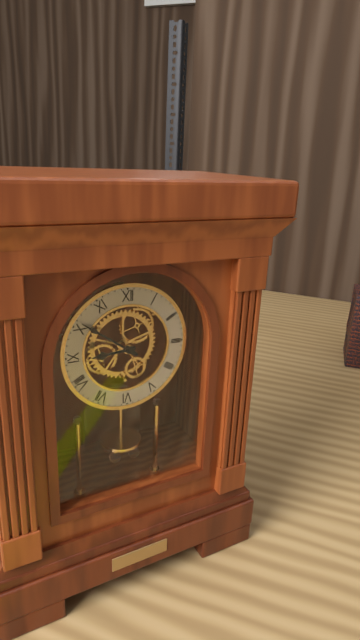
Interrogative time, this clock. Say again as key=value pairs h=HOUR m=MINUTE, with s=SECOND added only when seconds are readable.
h=8 m=51
